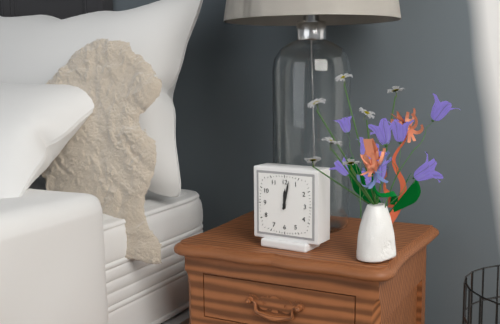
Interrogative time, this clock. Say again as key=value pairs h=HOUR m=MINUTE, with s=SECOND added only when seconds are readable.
h=12 m=2
